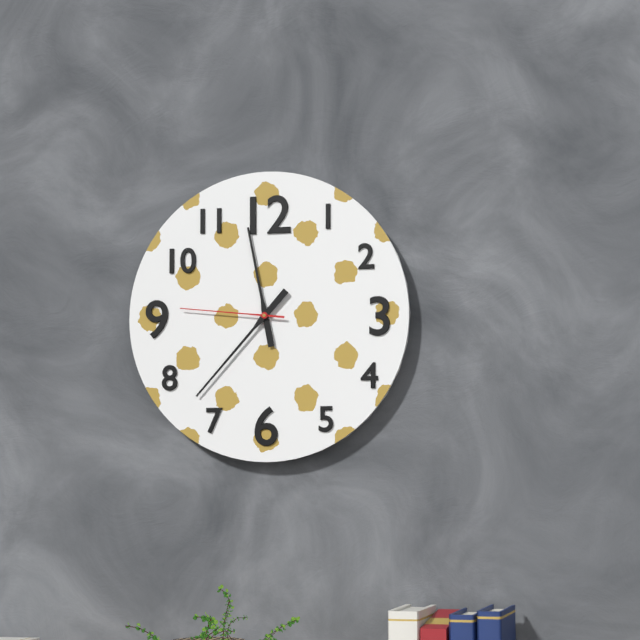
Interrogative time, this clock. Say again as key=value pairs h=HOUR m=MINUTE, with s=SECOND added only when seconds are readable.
h=11 m=37 s=46
